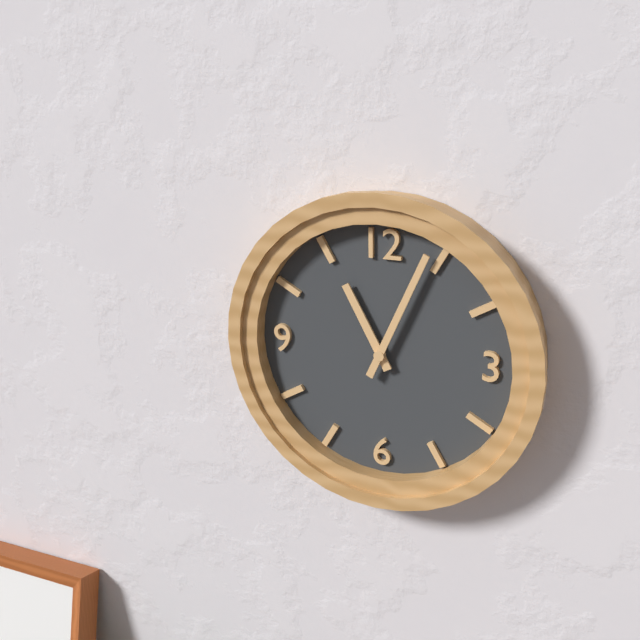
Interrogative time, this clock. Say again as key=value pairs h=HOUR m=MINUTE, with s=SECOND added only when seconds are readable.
h=11 m=4
